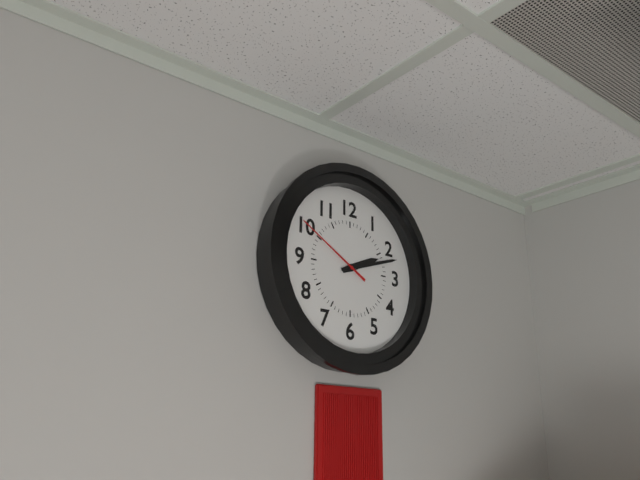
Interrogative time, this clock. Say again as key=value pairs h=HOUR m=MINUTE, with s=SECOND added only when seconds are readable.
h=2 m=12 s=50
